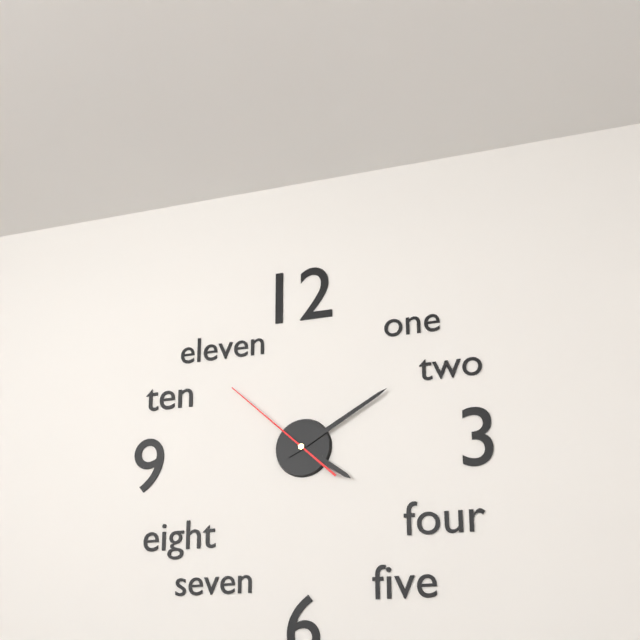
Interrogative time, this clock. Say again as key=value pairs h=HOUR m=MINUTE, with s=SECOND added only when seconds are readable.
h=4 m=10 s=52
